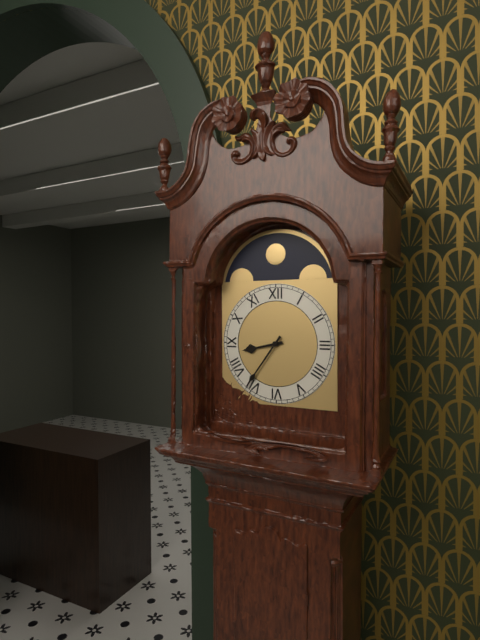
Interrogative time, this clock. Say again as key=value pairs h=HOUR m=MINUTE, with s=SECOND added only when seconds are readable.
h=8 m=36
